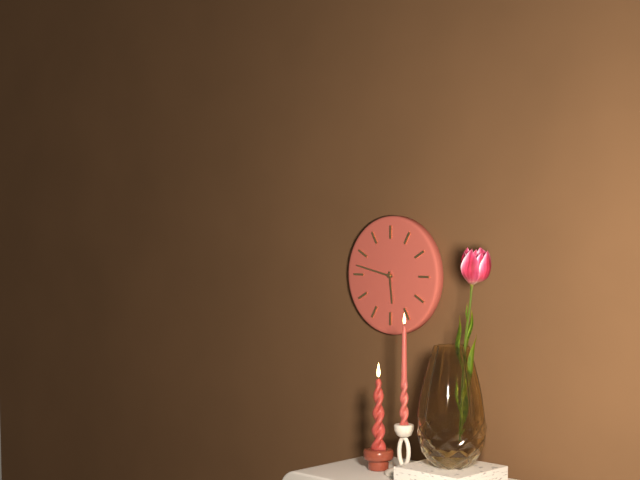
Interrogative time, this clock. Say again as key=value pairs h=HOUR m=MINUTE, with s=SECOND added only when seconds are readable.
h=5 m=47
